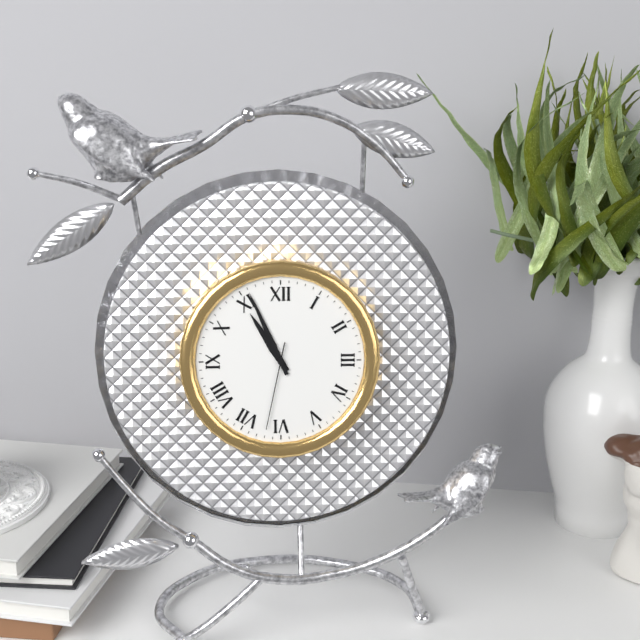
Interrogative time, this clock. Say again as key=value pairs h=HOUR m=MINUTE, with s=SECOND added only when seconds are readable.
h=10 m=56 s=32
